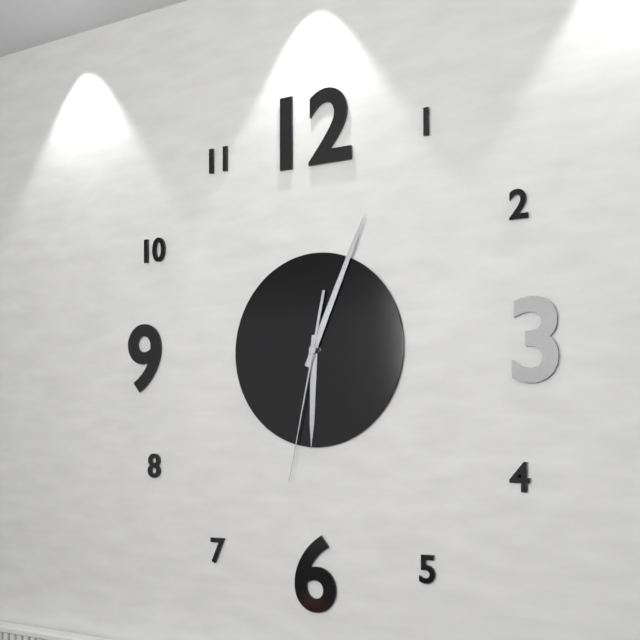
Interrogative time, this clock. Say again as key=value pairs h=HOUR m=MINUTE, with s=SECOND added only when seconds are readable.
h=6 m=4 s=32
